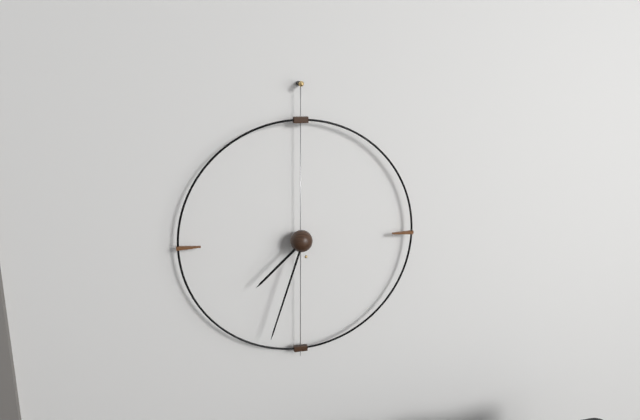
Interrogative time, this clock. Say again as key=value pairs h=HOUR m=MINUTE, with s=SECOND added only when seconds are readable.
h=7 m=33
